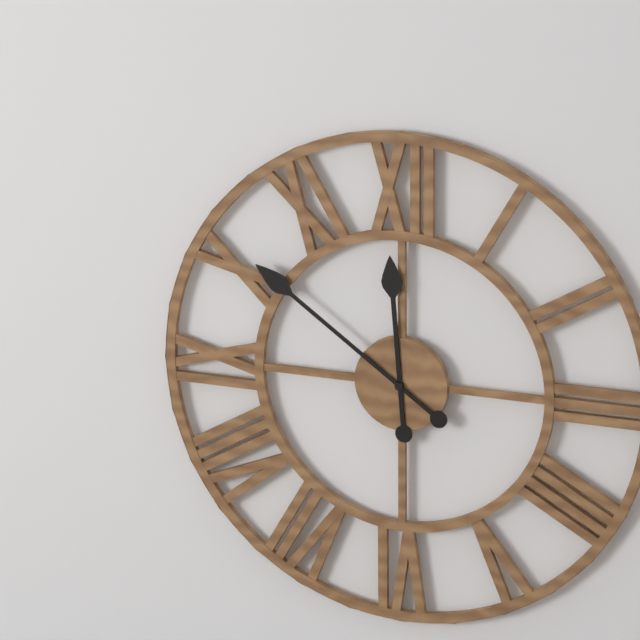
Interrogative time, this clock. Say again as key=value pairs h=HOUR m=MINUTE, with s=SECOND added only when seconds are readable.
h=11 m=51
